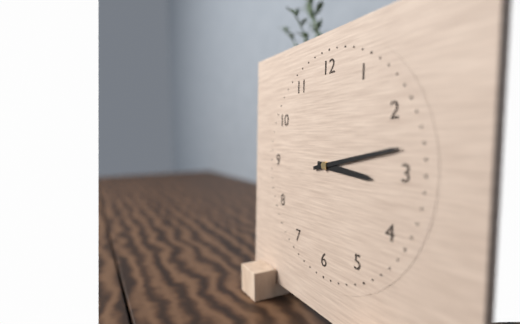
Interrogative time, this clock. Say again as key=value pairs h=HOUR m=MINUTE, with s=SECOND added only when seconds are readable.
h=3 m=13
